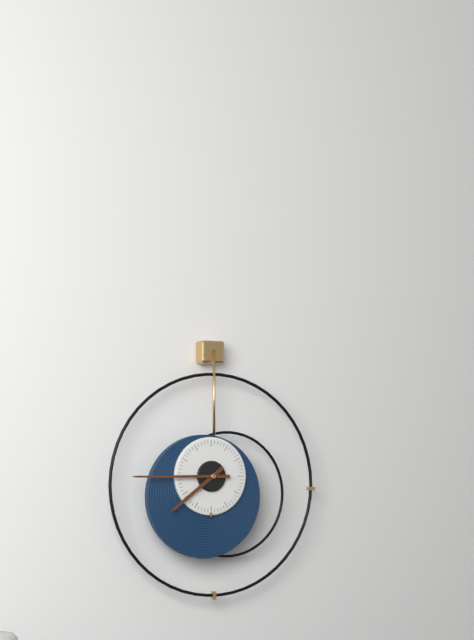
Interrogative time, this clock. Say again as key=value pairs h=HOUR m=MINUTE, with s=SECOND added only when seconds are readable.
h=7 m=45
